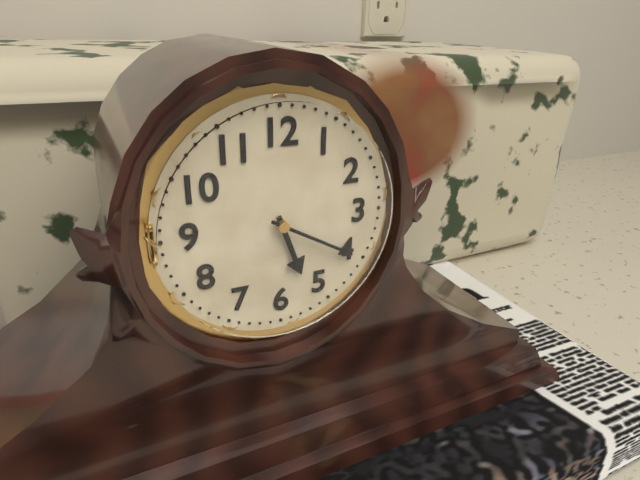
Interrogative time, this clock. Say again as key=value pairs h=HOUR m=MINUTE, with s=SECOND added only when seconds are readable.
h=5 m=20
